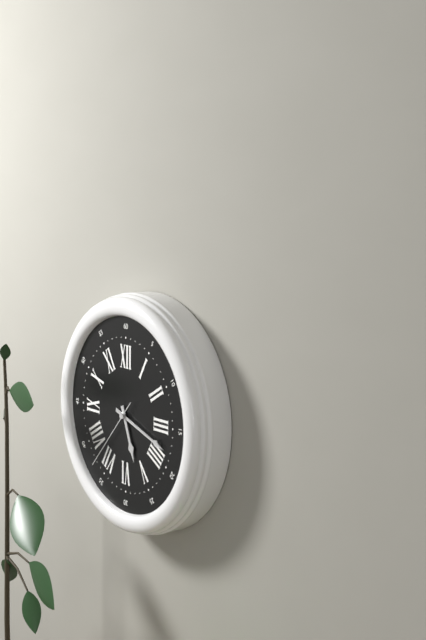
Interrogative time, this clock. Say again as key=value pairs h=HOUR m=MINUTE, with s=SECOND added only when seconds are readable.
h=5 m=18 s=37
